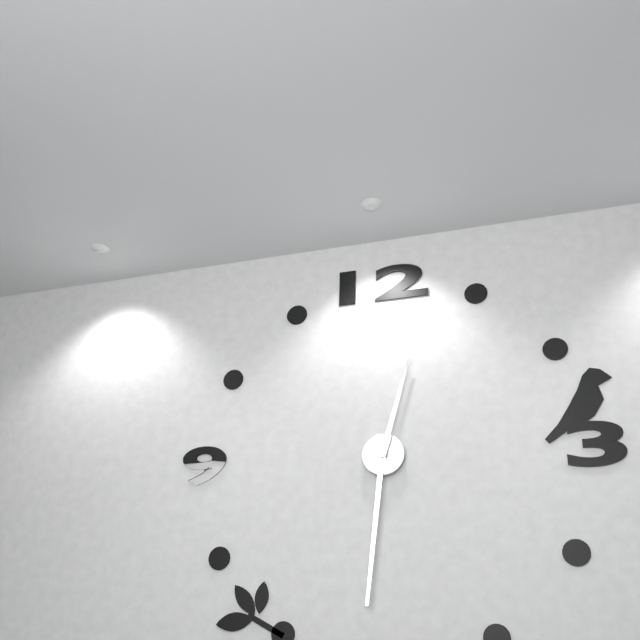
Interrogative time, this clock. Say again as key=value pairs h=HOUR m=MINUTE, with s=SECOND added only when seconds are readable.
h=12 m=31
